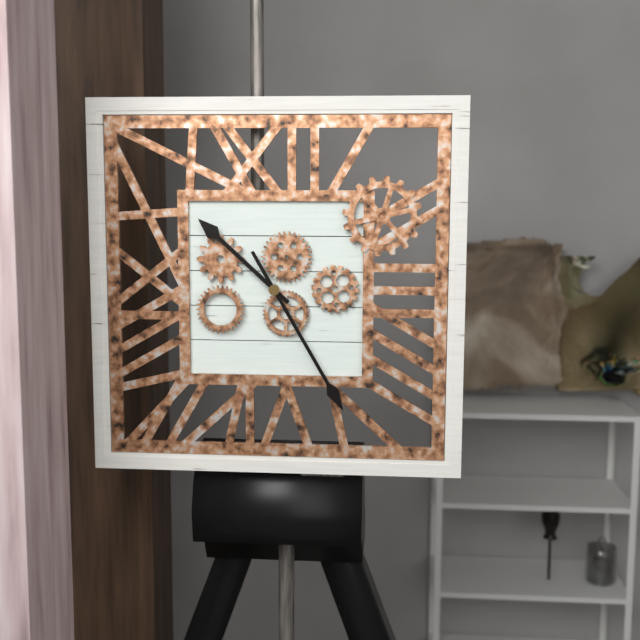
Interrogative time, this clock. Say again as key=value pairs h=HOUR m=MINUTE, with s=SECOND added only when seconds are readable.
h=10 m=25
